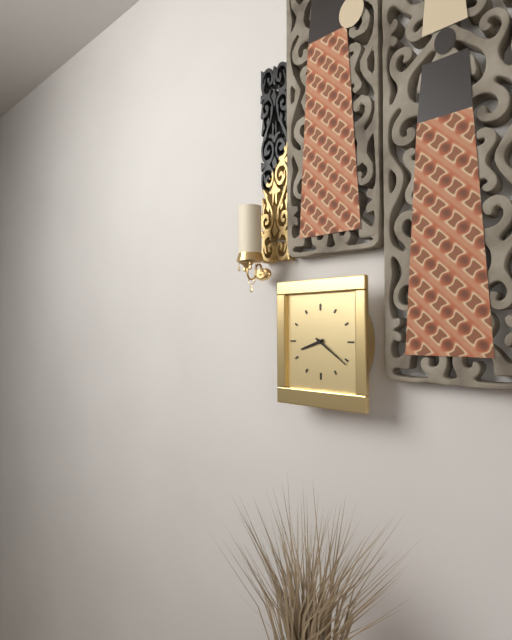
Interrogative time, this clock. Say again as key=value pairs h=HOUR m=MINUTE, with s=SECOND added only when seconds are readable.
h=8 m=21
